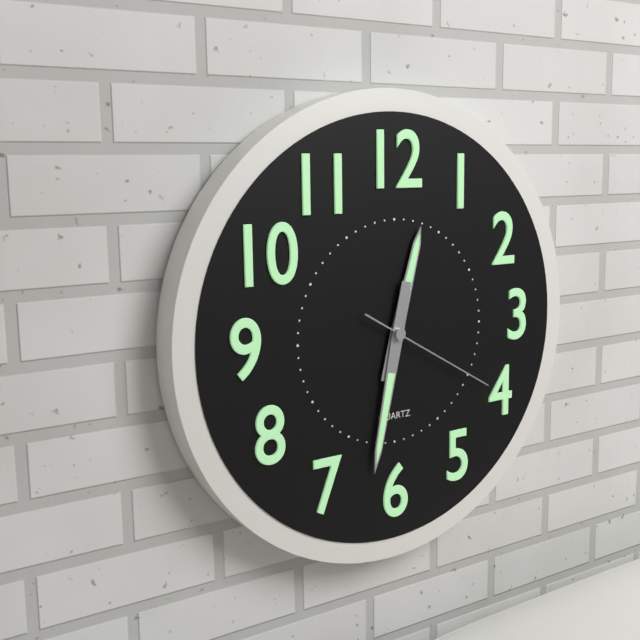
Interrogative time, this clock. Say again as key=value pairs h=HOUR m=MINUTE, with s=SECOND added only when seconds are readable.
h=12 m=32 s=20
